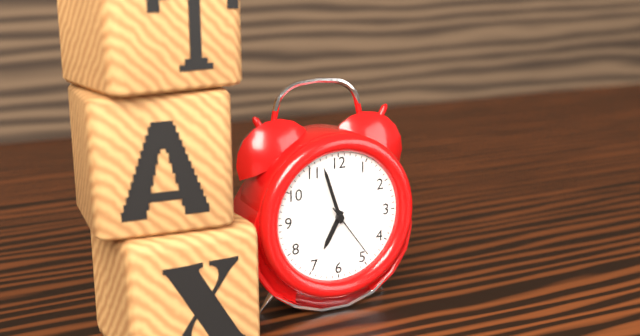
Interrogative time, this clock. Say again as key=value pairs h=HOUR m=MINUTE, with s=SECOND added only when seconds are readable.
h=6 m=57 s=24
